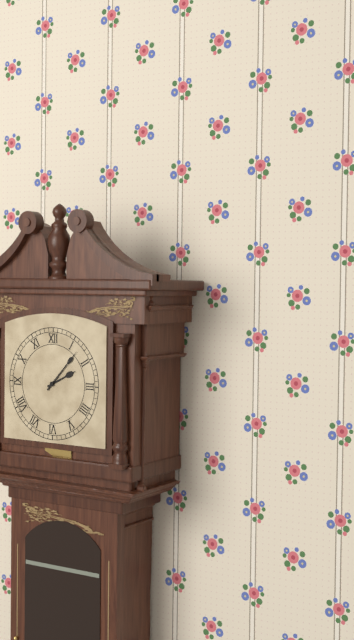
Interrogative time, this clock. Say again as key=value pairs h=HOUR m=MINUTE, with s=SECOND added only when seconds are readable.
h=2 m=7
